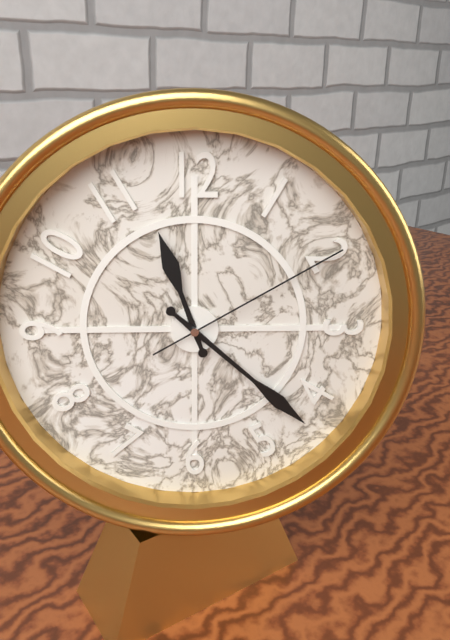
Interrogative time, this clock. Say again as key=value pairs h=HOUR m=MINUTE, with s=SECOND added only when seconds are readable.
h=11 m=22 s=10
